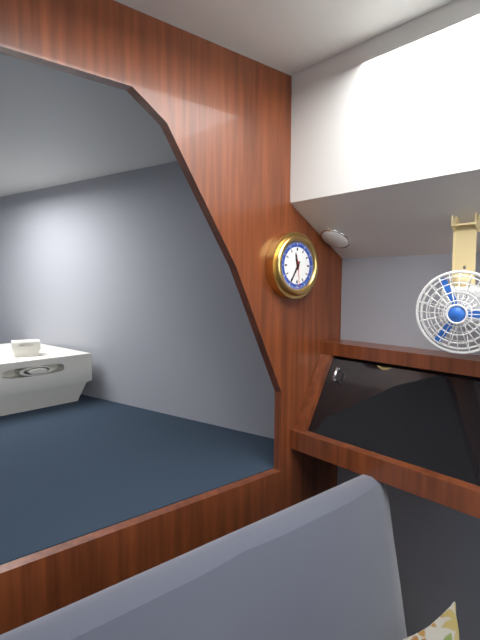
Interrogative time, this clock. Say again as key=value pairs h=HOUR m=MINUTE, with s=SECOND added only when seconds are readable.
h=11 m=35
